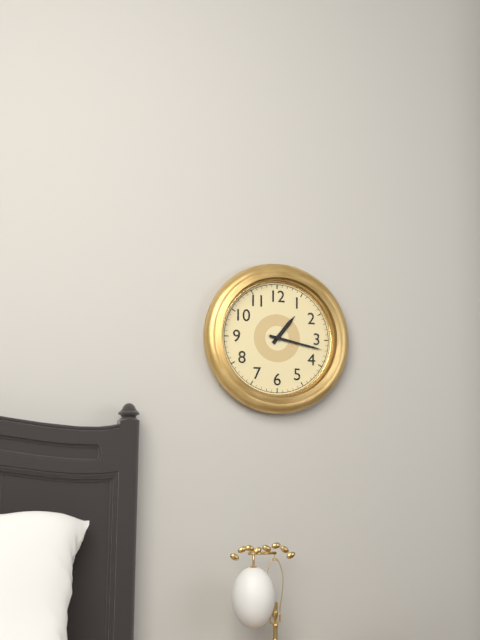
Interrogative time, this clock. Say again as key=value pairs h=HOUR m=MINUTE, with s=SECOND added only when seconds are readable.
h=1 m=17
